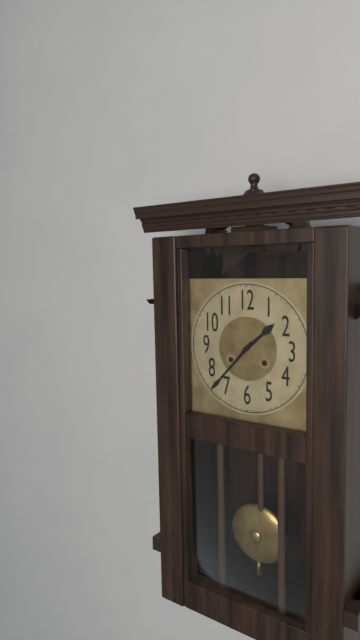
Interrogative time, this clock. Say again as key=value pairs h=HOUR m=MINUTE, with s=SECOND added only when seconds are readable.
h=1 m=37
